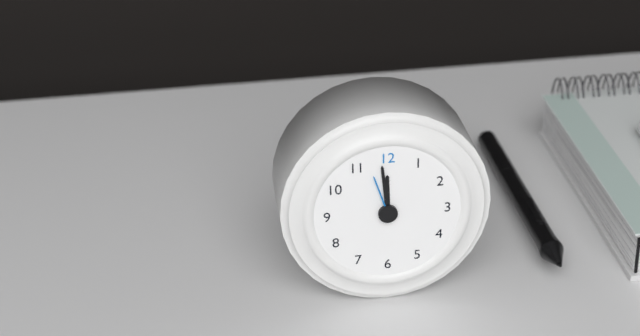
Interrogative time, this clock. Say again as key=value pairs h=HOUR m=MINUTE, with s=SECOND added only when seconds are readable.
h=11 m=59 s=57
